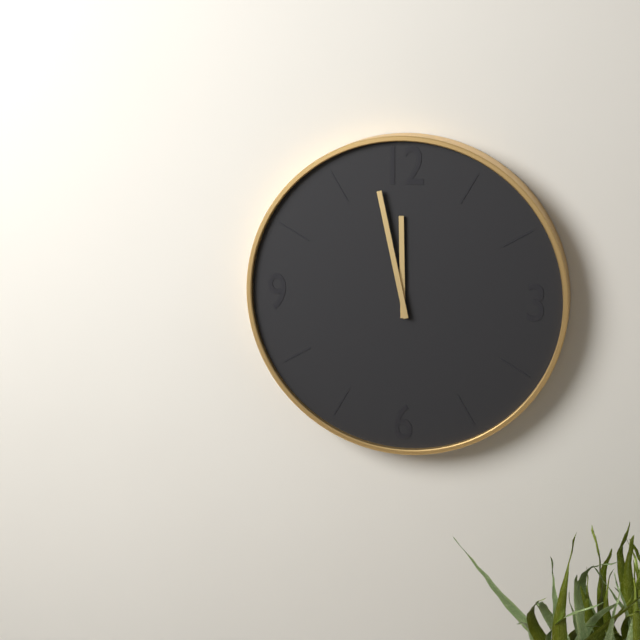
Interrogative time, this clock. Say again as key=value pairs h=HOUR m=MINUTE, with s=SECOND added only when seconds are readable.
h=11 m=58
